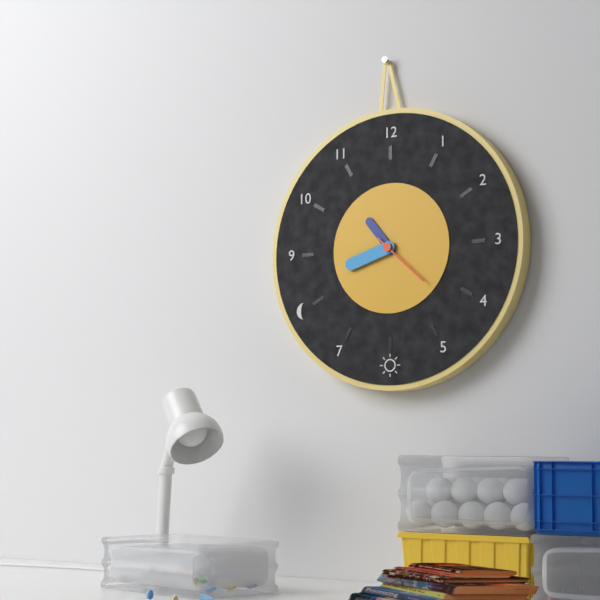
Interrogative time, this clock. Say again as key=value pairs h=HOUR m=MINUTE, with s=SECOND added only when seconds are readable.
h=10 m=42 s=22
